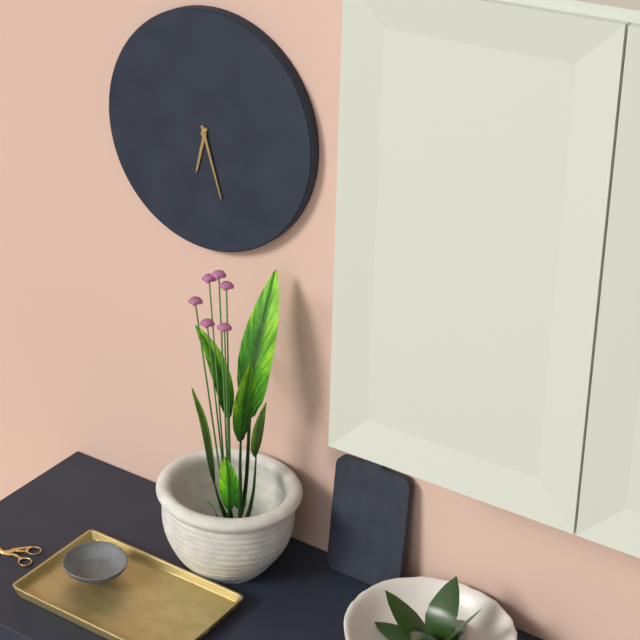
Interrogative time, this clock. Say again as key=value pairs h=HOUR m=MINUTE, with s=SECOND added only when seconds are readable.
h=6 m=27
